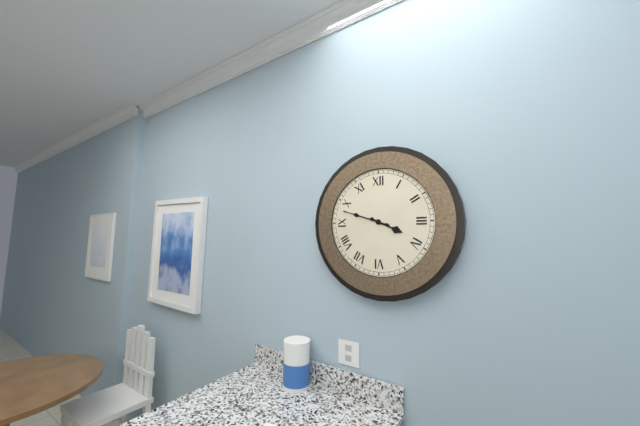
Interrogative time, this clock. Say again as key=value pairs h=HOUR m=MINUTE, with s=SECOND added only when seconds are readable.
h=3 m=48
